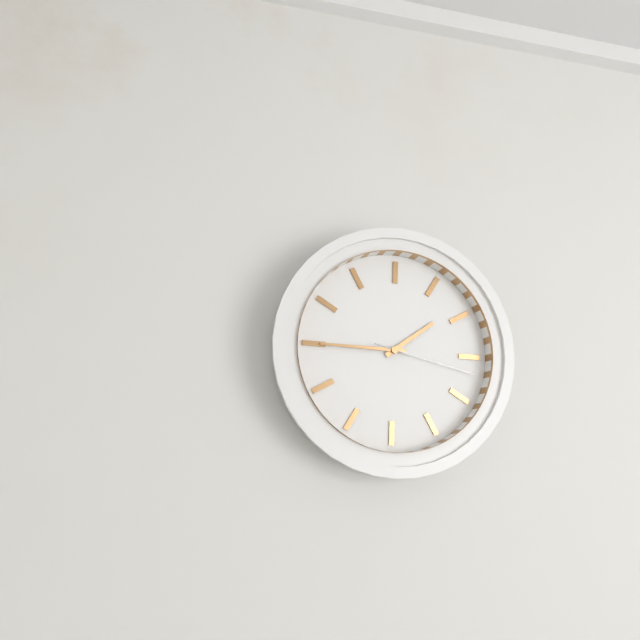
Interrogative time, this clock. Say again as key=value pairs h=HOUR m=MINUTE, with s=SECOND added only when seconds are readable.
h=1 m=45 s=17
